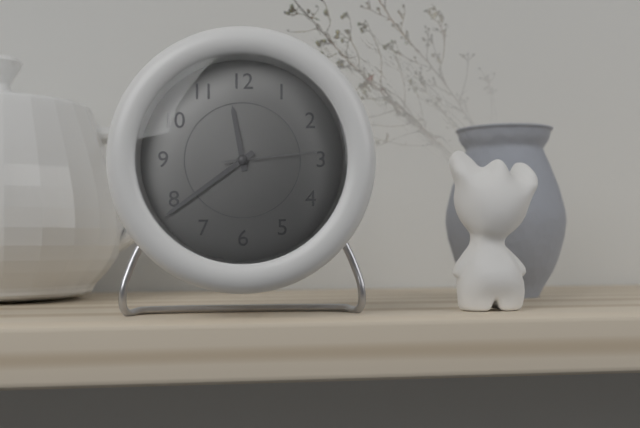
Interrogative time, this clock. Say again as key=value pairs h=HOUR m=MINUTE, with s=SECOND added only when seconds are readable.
h=11 m=39 s=14
